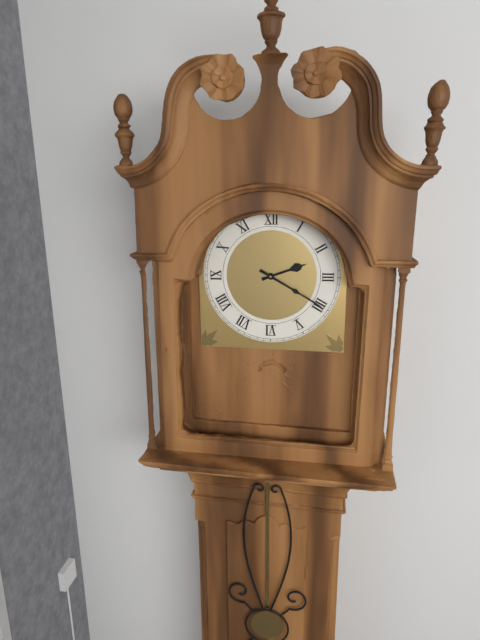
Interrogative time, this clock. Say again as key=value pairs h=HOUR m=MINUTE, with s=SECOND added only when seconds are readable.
h=2 m=20
